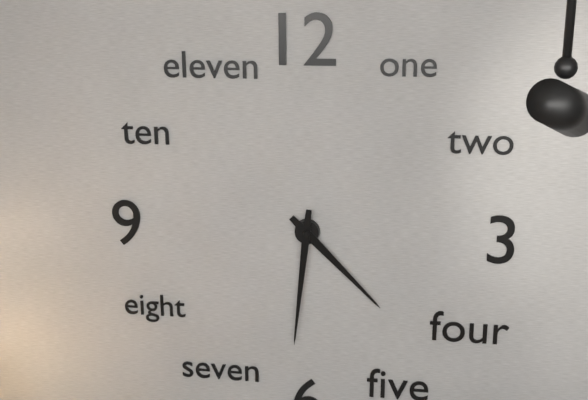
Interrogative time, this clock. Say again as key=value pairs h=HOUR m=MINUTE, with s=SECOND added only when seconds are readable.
h=4 m=31
